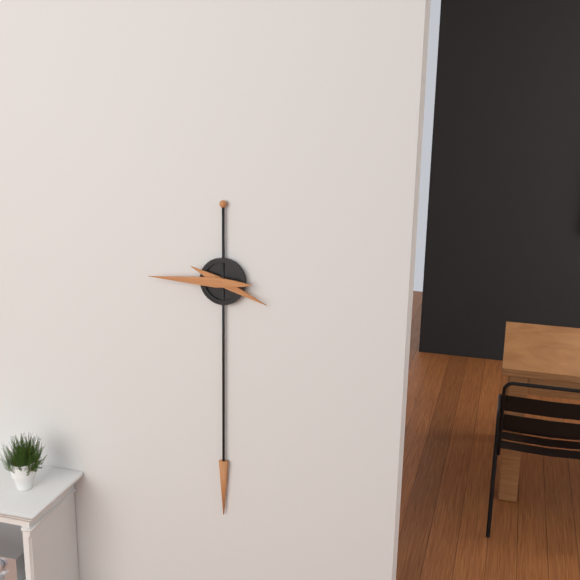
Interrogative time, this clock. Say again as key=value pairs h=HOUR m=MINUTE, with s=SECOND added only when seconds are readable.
h=3 m=45
